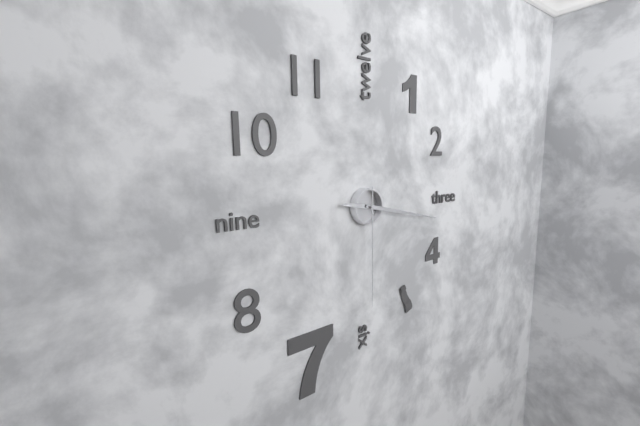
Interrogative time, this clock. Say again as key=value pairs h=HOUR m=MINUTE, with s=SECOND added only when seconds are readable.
h=9 m=17 s=30
